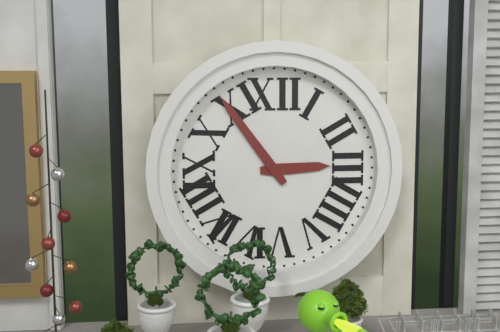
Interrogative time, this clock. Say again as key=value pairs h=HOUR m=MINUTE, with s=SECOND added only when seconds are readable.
h=2 m=54
